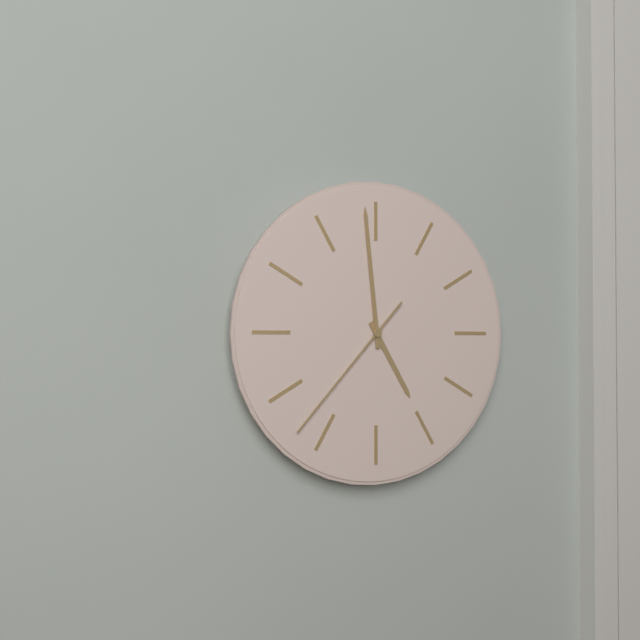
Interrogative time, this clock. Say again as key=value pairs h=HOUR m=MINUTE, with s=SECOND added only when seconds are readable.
h=4 m=59 s=37
